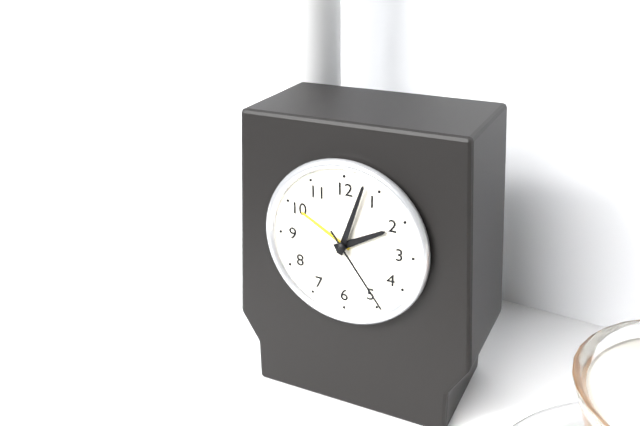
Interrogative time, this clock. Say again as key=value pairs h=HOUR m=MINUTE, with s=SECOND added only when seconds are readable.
h=2 m=3 s=24
